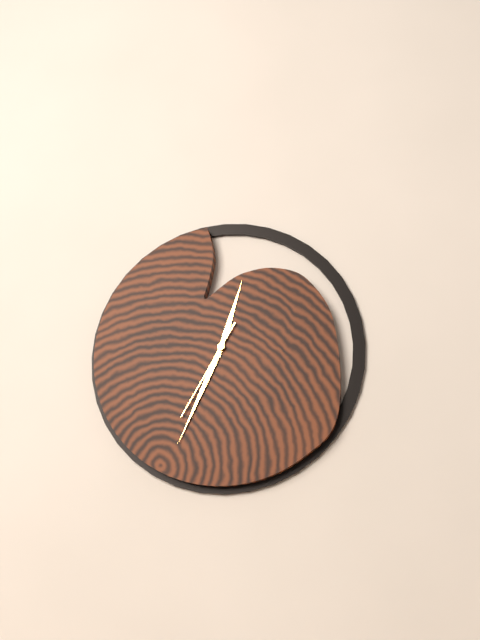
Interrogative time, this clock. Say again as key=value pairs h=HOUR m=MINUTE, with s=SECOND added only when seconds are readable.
h=12 m=34 s=35
